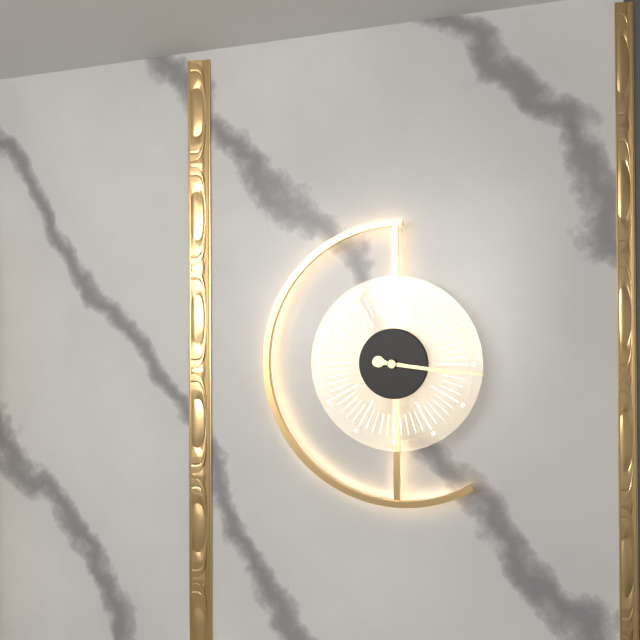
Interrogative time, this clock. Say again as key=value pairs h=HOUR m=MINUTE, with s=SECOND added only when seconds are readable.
h=3 m=16
